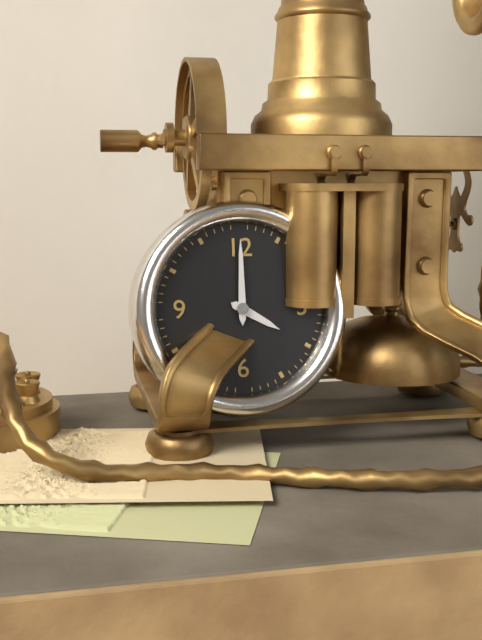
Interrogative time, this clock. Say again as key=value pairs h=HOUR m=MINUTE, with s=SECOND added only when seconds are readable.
h=4 m=0
